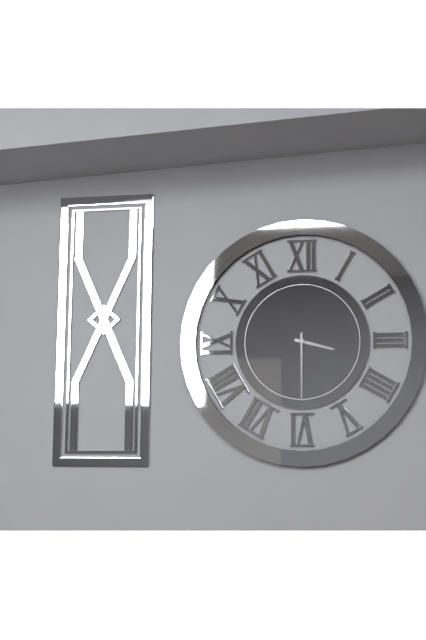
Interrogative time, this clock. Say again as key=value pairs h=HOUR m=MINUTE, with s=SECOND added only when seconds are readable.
h=3 m=30
